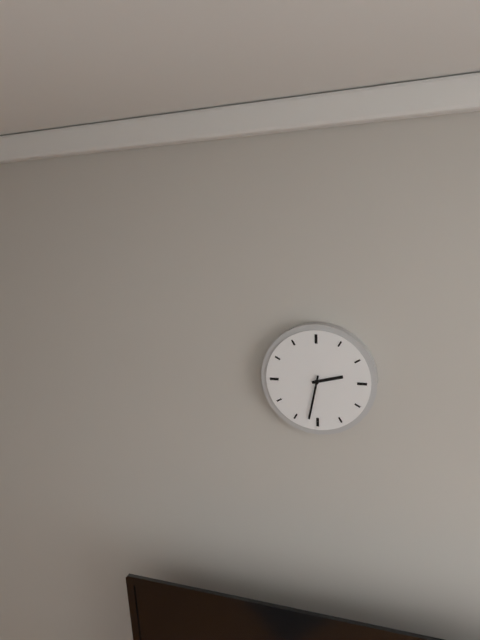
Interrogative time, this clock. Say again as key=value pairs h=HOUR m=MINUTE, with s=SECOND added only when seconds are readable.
h=2 m=32
